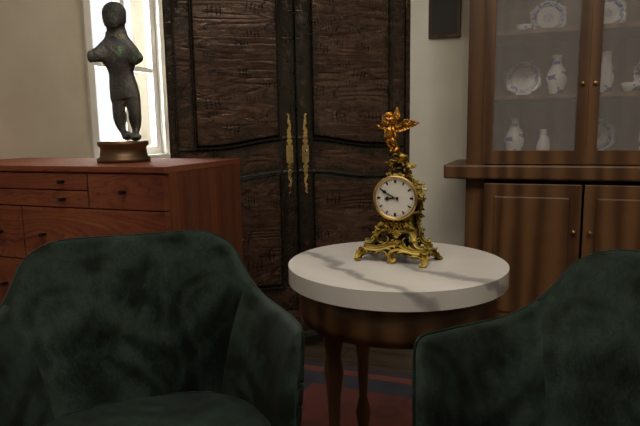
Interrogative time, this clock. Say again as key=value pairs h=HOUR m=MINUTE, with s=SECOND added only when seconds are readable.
h=8 m=50
